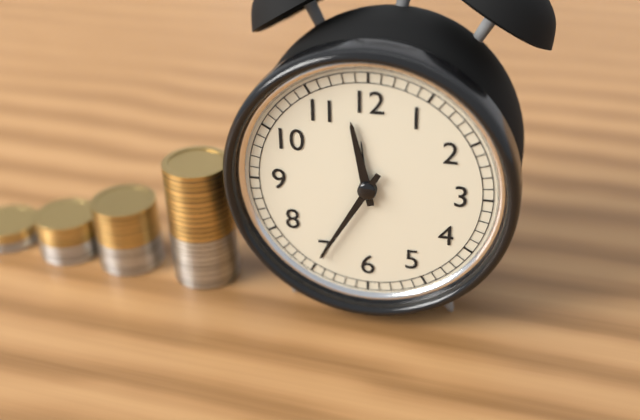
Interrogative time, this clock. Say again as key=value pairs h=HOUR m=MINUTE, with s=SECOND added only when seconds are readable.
h=11 m=35
